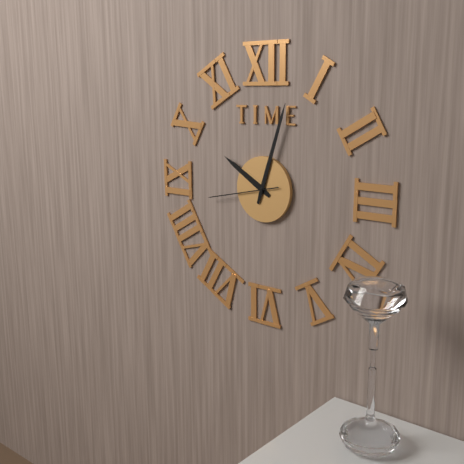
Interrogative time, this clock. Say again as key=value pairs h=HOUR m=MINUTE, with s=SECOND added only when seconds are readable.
h=10 m=3 s=43
